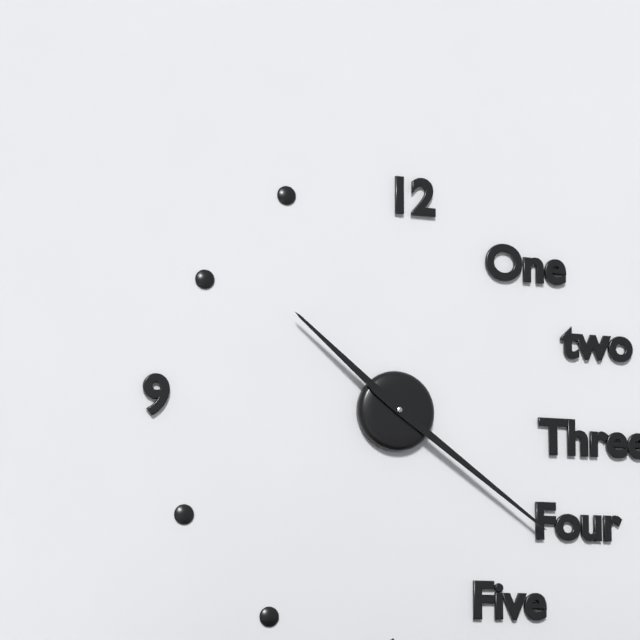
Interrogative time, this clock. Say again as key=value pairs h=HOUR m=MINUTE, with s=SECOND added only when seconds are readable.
h=10 m=21
